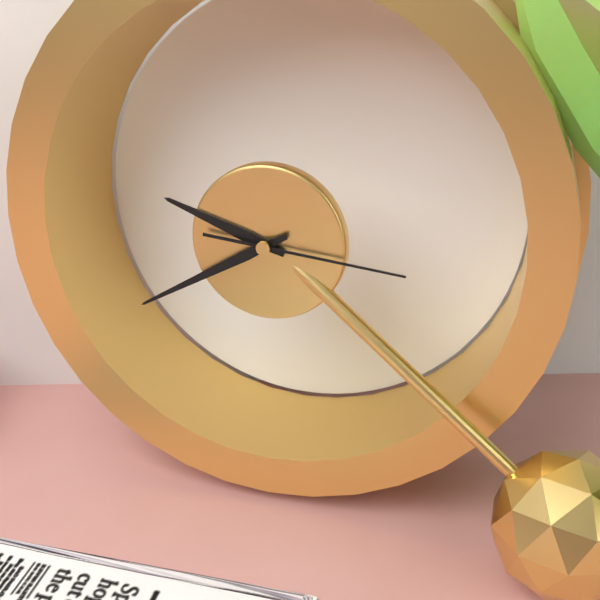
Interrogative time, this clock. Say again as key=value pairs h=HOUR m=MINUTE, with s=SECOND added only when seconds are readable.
h=9 m=40 s=16
